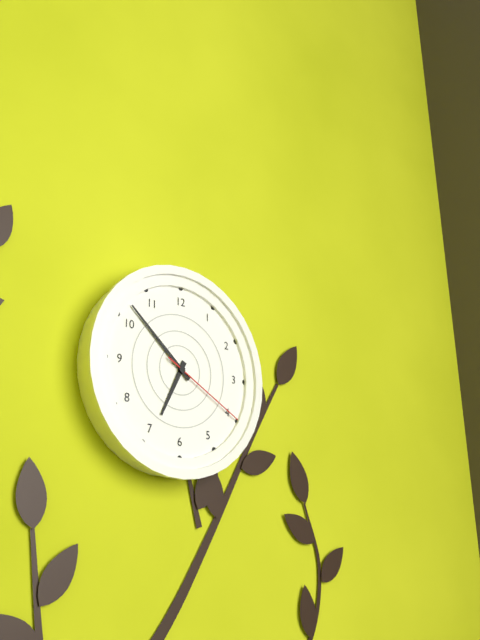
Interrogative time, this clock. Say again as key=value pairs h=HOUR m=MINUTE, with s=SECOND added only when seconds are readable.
h=6 m=52 s=20
